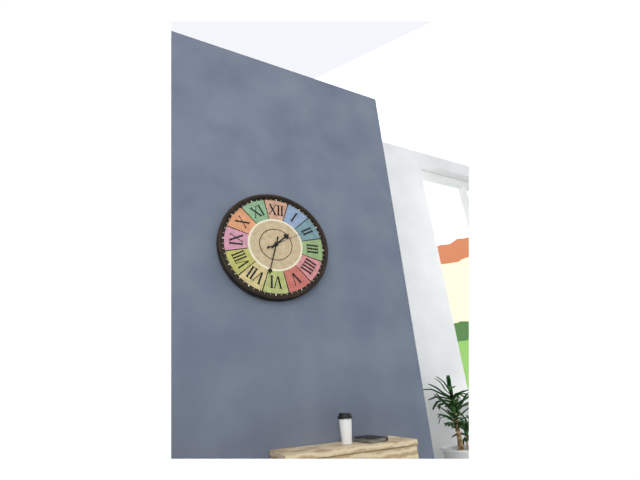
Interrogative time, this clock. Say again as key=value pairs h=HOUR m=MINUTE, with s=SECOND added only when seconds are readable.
h=1 m=32
